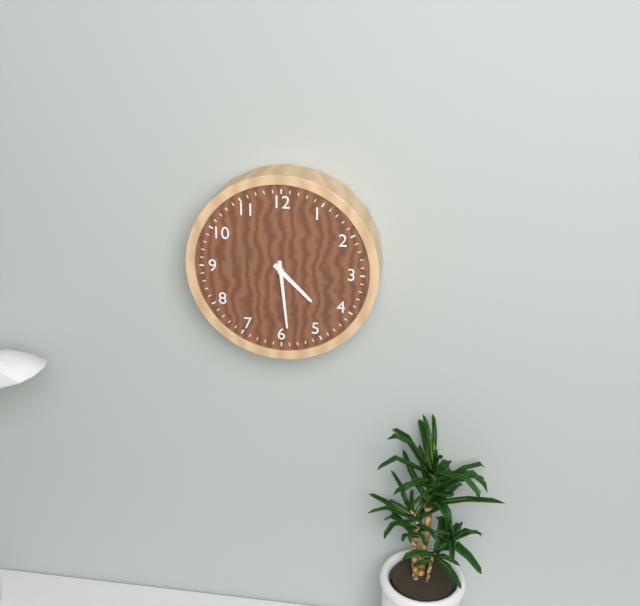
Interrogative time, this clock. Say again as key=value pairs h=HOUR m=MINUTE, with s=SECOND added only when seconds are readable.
h=4 m=29
